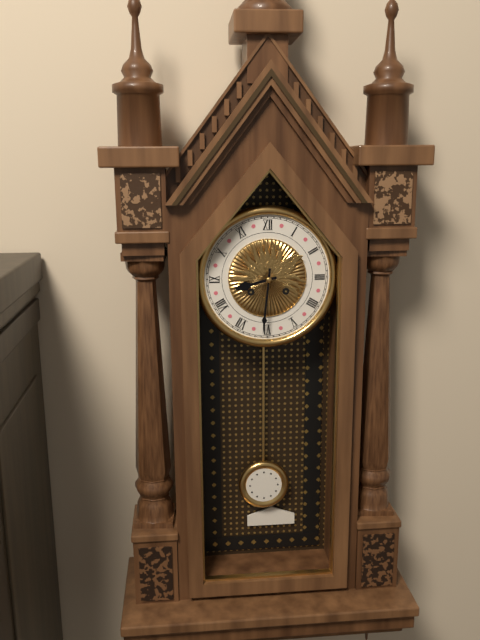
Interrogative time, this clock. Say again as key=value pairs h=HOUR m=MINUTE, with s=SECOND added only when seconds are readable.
h=8 m=31
